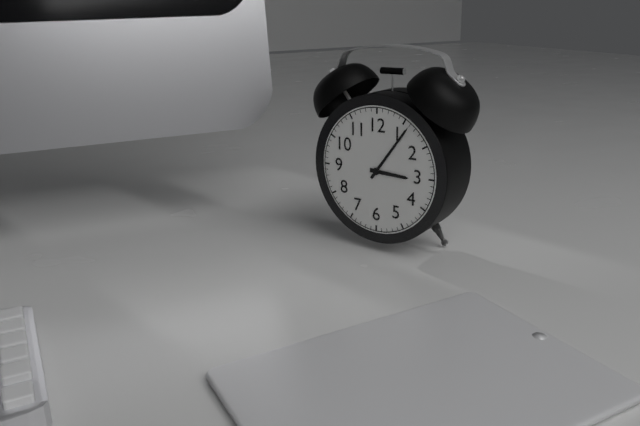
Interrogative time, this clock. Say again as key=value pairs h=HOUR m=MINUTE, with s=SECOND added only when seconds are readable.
h=3 m=6
